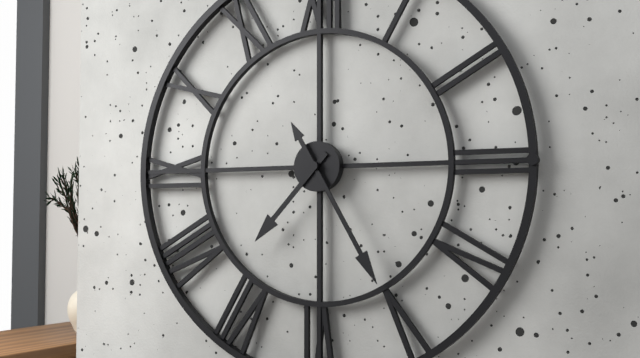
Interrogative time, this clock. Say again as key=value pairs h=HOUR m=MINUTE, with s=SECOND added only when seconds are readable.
h=7 m=25
